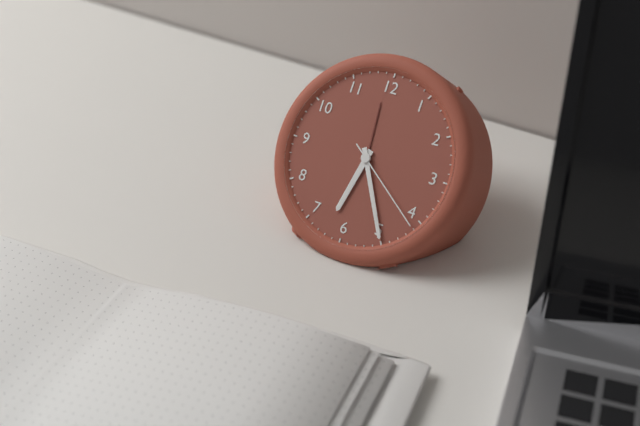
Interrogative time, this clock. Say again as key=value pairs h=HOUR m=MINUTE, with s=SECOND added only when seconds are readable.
h=6 m=25 s=21
